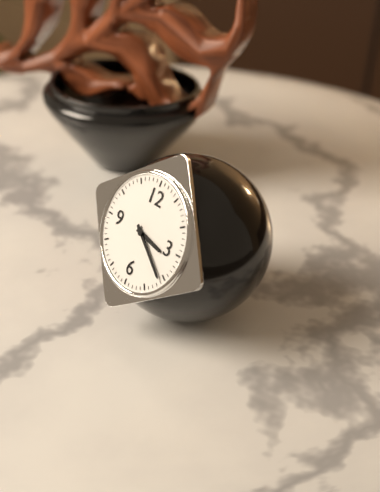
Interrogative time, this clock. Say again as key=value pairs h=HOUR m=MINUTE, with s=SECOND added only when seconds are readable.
h=3 m=21
